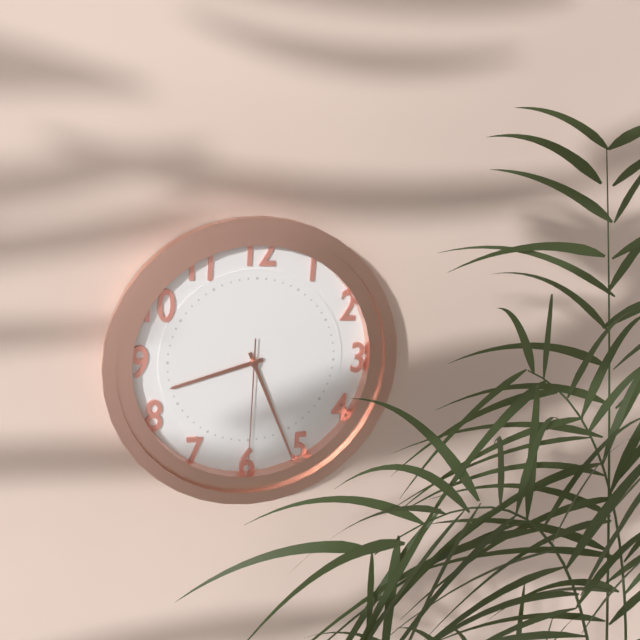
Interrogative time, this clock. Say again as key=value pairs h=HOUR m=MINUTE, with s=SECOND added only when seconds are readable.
h=8 m=26 s=30
